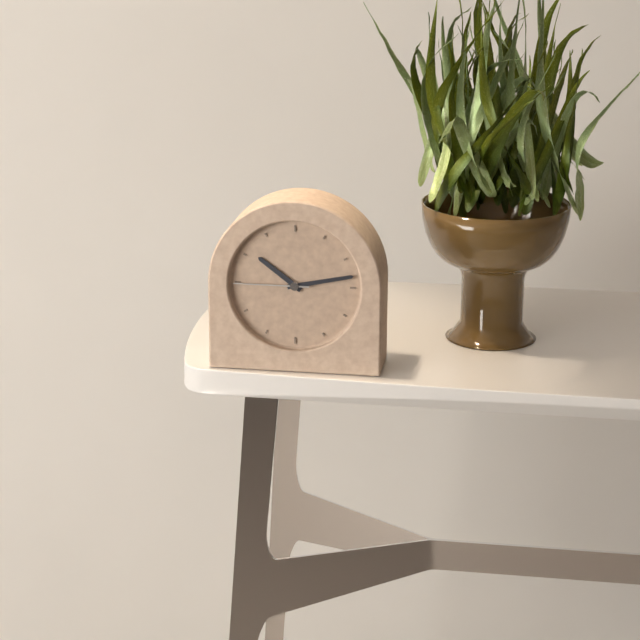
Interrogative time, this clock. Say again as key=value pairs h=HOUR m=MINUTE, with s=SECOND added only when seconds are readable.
h=10 m=13 s=45
